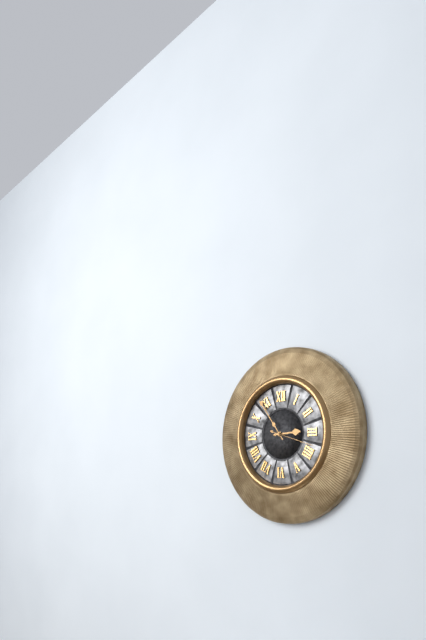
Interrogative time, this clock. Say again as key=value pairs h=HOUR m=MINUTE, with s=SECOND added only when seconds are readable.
h=2 m=54
